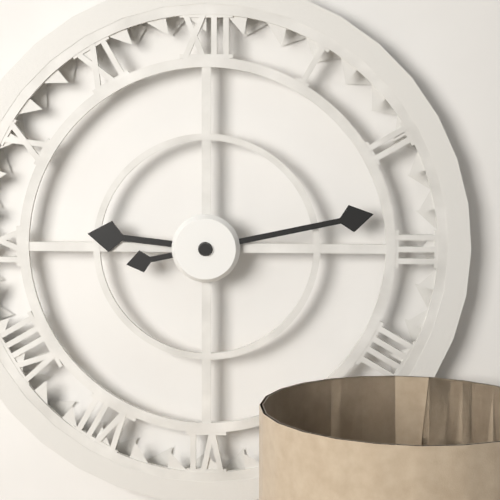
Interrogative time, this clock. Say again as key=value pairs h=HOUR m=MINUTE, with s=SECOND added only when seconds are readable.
h=9 m=13
